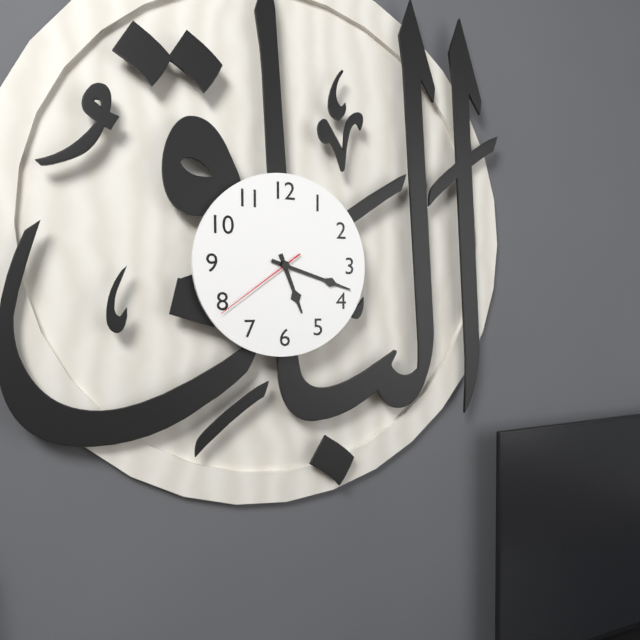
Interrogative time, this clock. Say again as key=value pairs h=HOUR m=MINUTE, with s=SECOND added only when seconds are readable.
h=5 m=18 s=39
